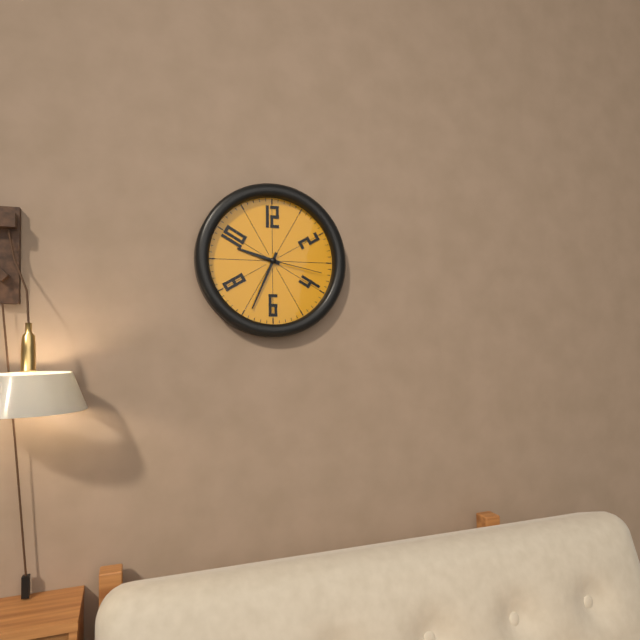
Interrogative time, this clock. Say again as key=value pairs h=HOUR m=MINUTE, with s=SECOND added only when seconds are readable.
h=9 m=34 s=17
